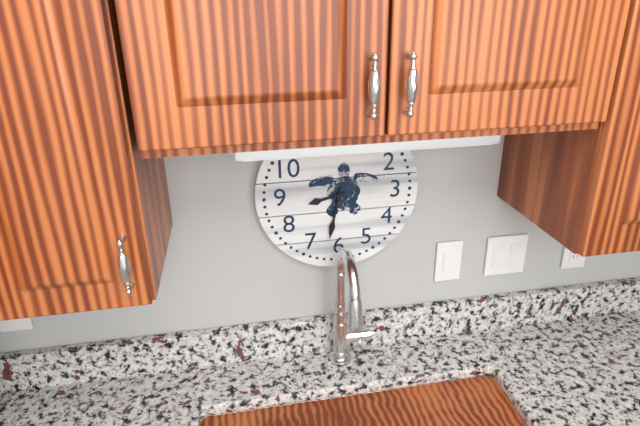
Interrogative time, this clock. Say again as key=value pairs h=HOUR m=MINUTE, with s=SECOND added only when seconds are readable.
h=8 m=32
